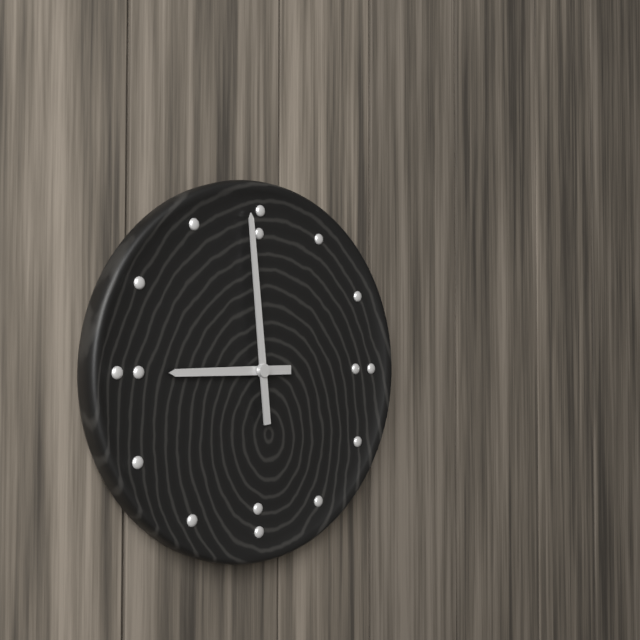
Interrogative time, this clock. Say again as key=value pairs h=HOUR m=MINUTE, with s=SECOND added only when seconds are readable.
h=8 m=59
